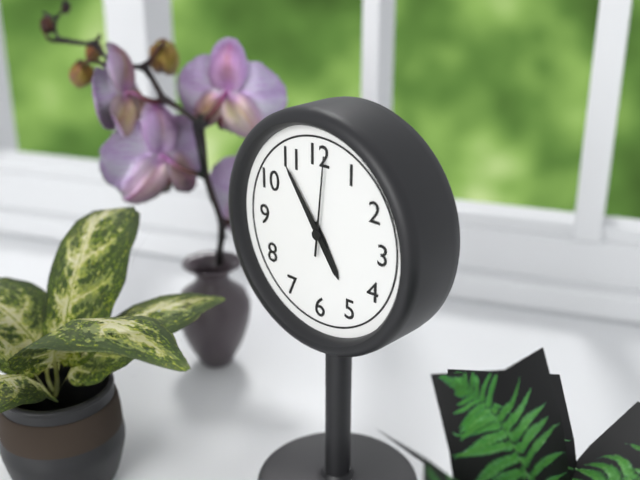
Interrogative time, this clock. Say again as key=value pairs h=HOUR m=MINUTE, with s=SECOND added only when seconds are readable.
h=4 m=54 s=1
